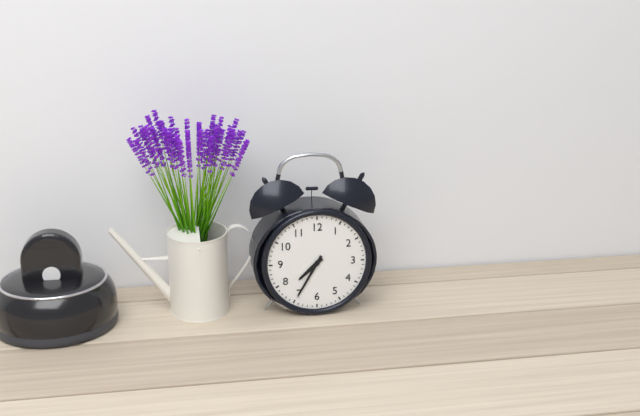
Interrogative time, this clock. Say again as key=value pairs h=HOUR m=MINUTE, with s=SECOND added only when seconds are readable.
h=7 m=35
